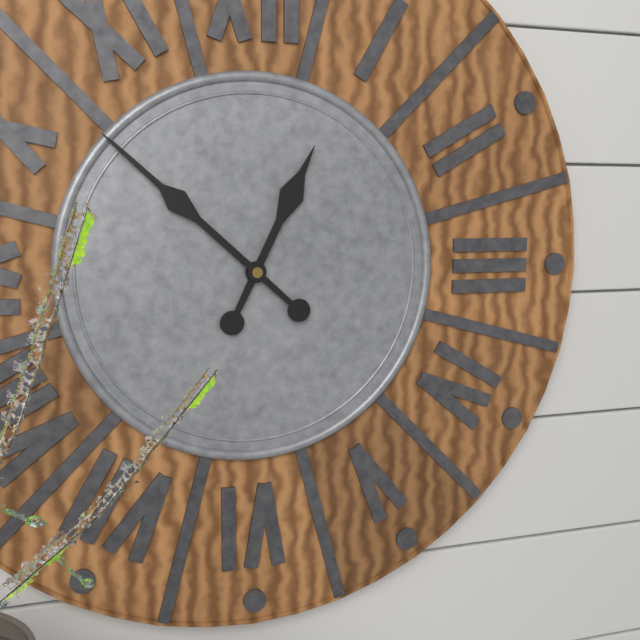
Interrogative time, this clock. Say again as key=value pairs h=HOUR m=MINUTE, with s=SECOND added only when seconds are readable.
h=12 m=52
